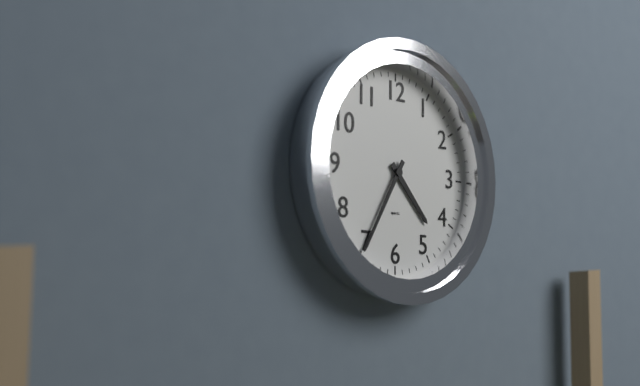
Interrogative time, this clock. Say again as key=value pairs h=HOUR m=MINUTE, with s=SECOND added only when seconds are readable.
h=4 m=35
